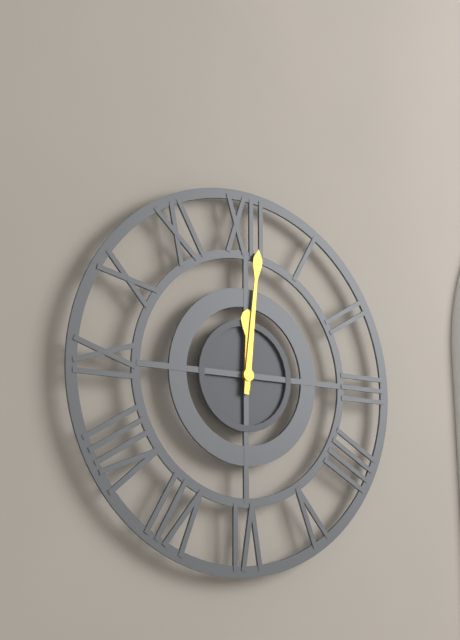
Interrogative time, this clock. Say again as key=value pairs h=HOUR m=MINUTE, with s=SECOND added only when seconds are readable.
h=12 m=1
